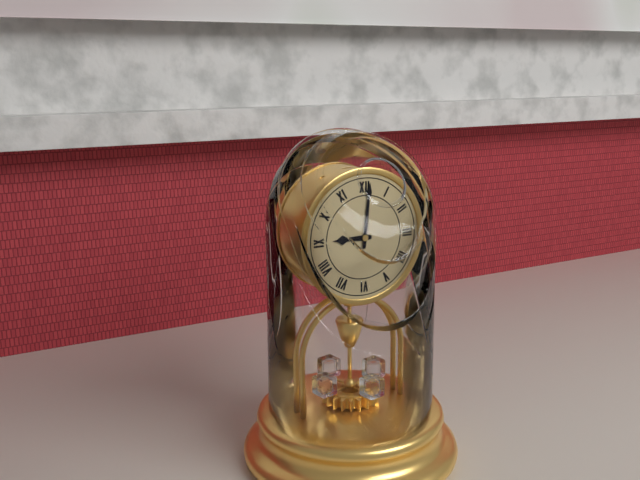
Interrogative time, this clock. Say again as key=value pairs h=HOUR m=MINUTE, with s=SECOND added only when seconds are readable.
h=9 m=1
